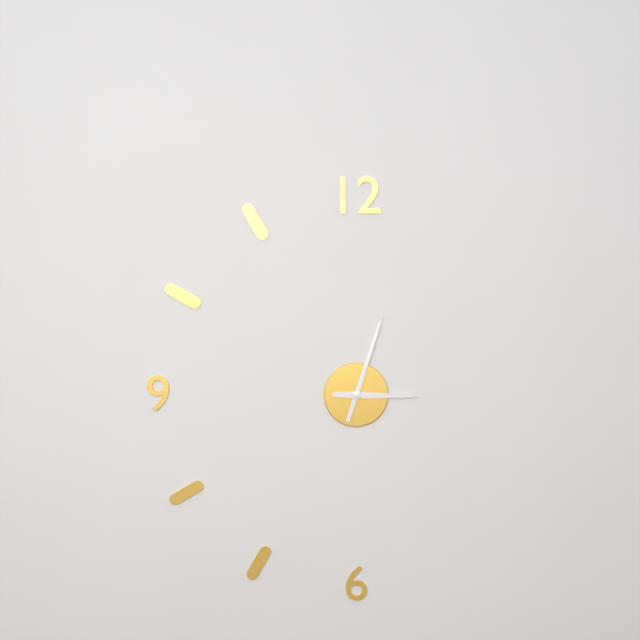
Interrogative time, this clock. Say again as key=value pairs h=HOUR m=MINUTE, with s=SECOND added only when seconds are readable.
h=3 m=3
